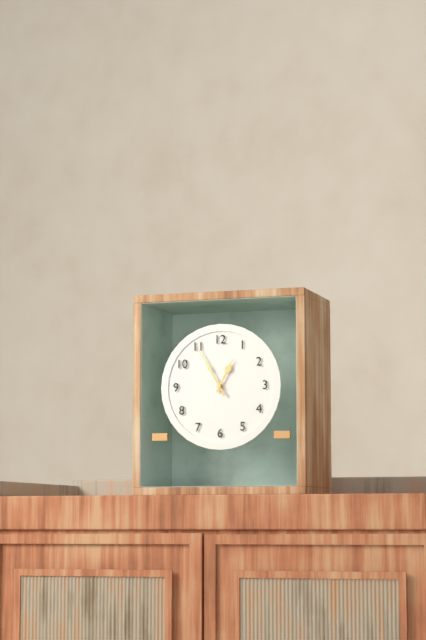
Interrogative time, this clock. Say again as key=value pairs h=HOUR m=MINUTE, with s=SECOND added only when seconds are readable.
h=12 m=55
